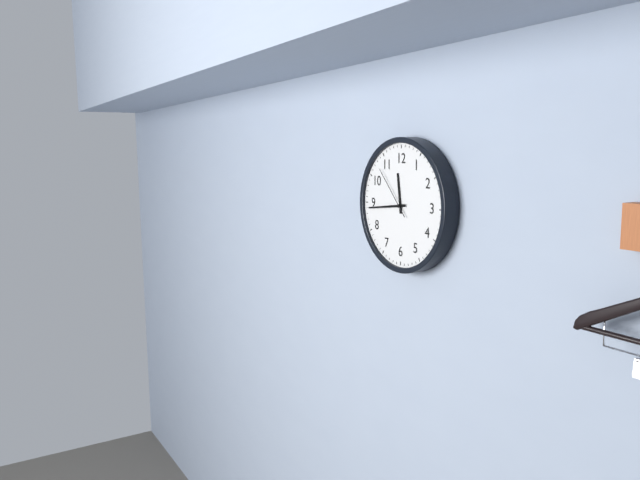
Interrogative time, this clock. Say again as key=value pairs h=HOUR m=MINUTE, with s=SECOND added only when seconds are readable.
h=11 m=44 s=53
